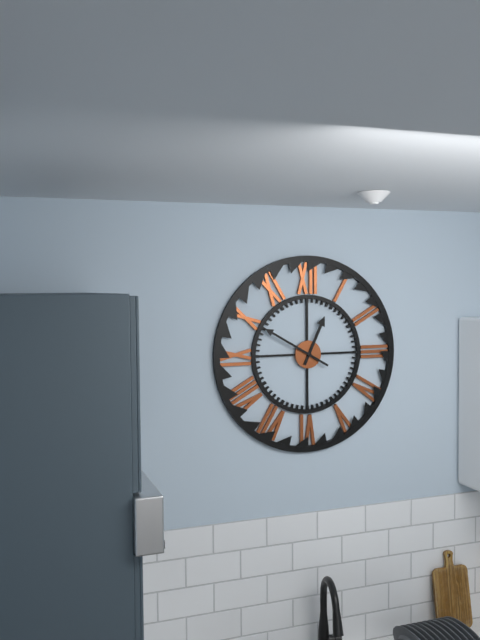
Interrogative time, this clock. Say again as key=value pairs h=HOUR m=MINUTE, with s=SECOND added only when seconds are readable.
h=12 m=50
